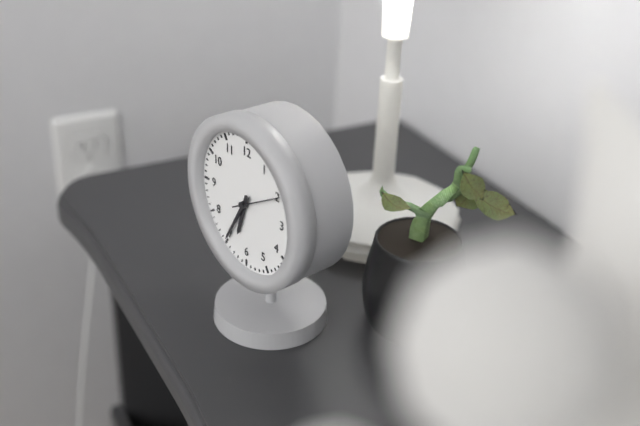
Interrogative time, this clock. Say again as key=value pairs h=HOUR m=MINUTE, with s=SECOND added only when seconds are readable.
h=6 m=35
